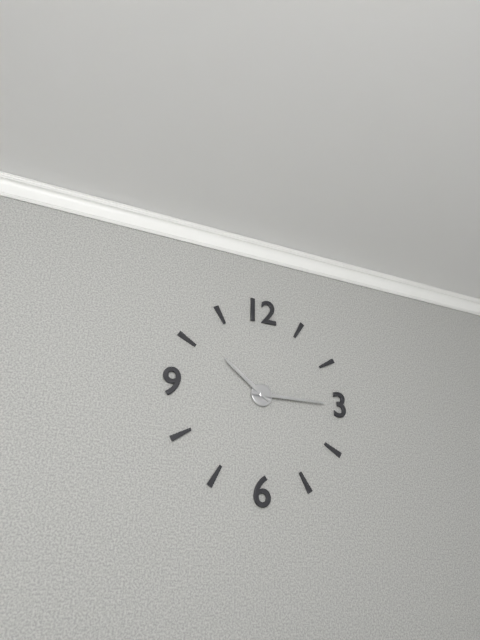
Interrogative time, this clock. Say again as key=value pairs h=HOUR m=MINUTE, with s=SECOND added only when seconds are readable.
h=10 m=15
